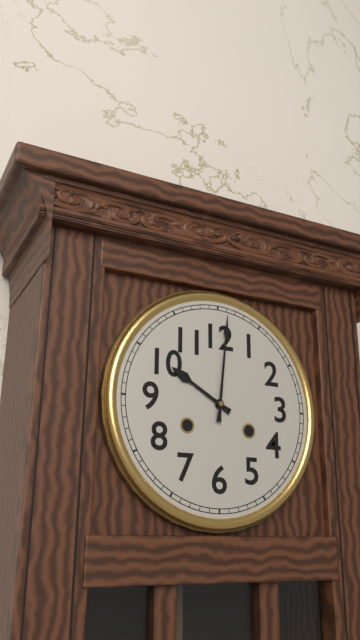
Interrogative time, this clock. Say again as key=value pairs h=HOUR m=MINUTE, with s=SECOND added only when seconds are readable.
h=10 m=1
